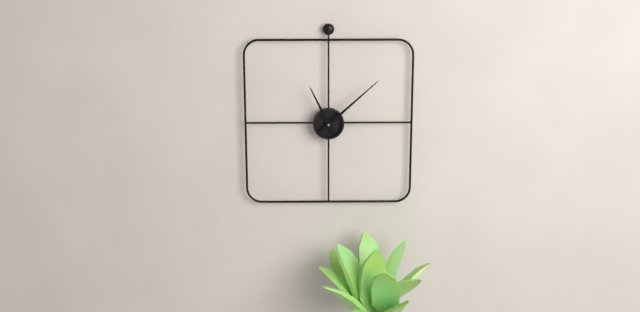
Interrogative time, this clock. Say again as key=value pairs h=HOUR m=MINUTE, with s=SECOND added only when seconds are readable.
h=11 m=8
